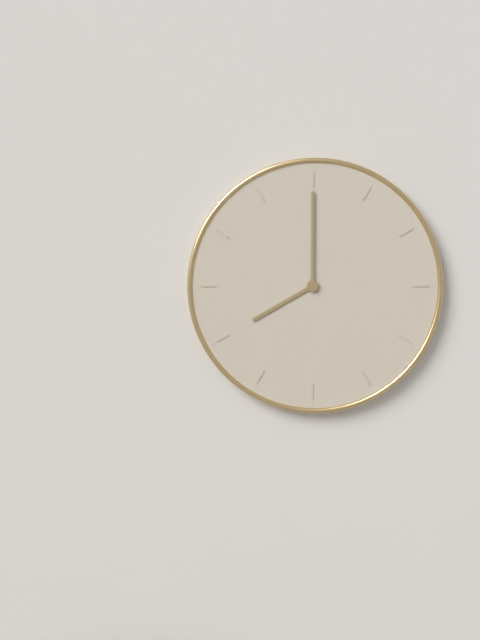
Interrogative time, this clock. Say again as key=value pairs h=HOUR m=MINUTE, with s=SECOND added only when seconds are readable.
h=8 m=0
